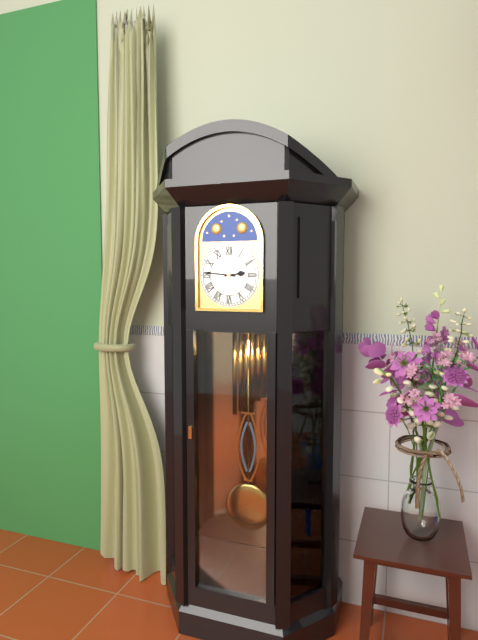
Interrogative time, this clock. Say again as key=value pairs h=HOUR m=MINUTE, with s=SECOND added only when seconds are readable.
h=2 m=46
